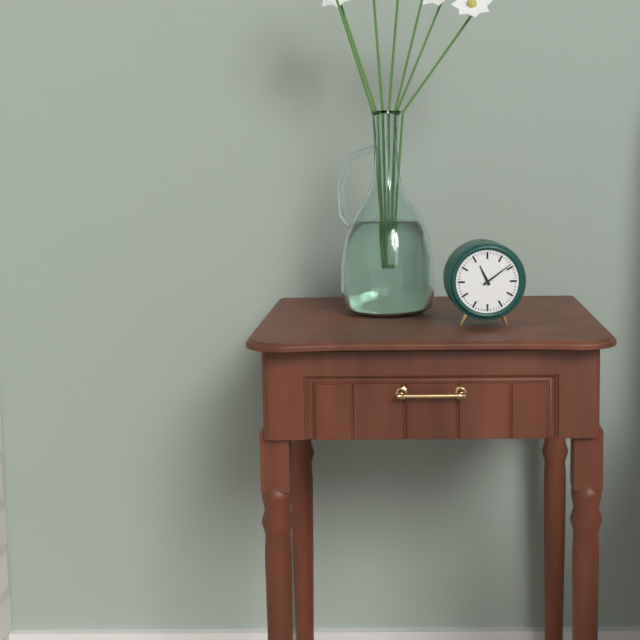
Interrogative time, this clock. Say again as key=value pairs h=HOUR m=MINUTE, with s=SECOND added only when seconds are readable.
h=11 m=9
